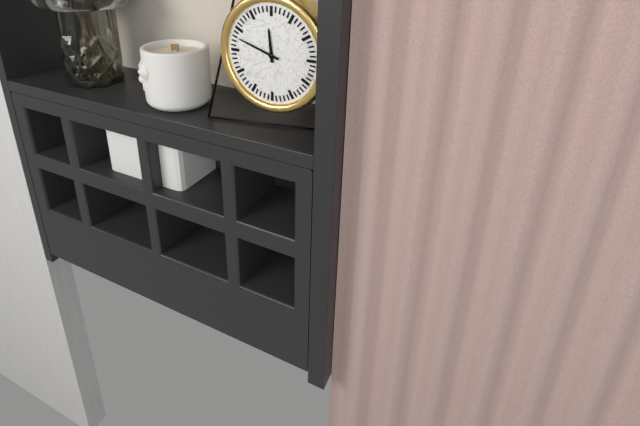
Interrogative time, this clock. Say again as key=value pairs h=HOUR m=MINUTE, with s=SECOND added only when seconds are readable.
h=11 m=48
